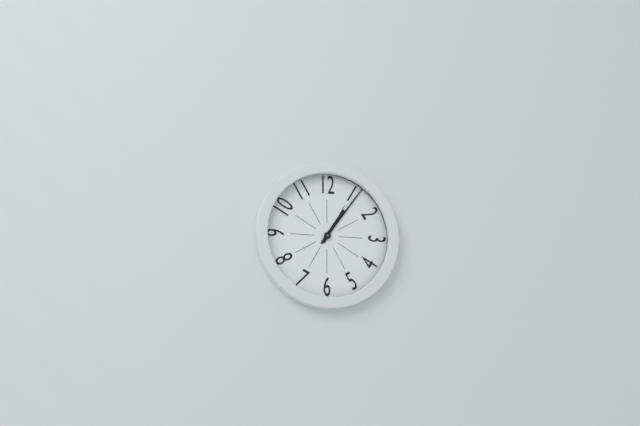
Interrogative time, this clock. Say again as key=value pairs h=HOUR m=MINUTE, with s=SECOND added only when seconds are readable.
h=1 m=6
